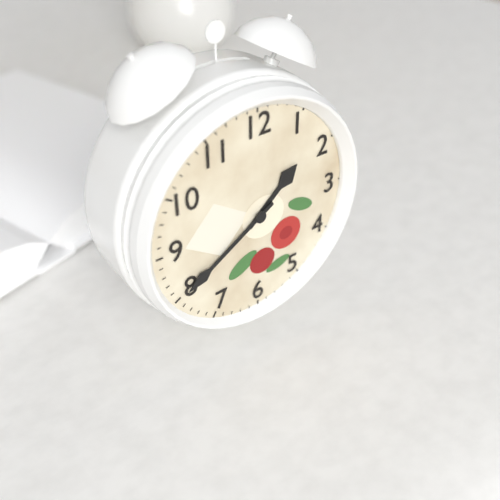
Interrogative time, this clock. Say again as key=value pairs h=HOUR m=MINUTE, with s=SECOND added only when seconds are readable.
h=1 m=40
